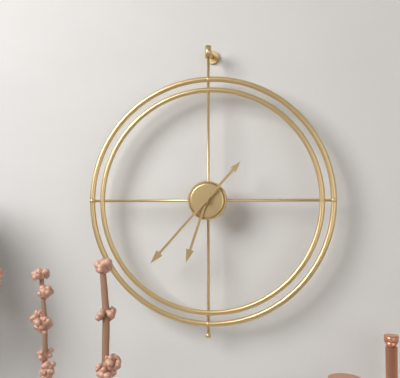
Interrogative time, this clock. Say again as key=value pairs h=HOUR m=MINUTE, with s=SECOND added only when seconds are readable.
h=6 m=37
